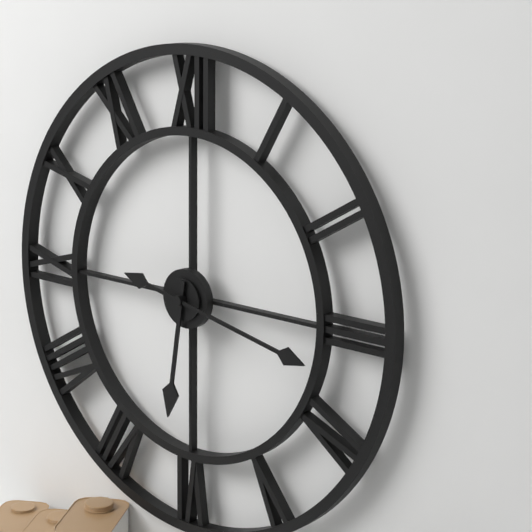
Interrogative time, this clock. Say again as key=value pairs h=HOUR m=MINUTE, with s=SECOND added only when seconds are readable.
h=6 m=17
